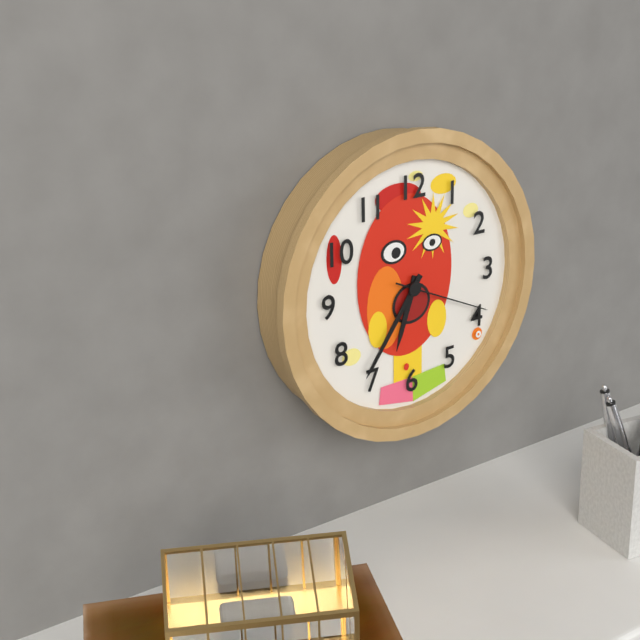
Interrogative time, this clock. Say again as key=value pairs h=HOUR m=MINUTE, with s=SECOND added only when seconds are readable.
h=6 m=36 s=19
